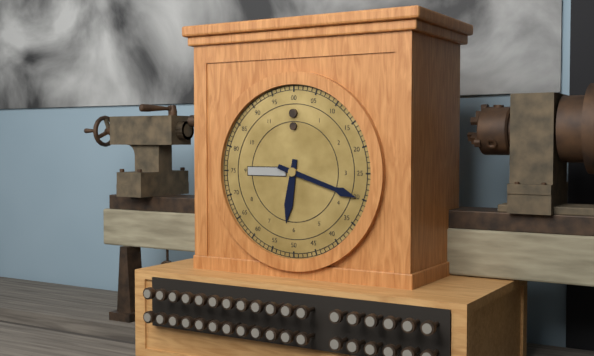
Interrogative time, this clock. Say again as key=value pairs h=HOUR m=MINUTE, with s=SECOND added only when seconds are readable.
h=6 m=18
